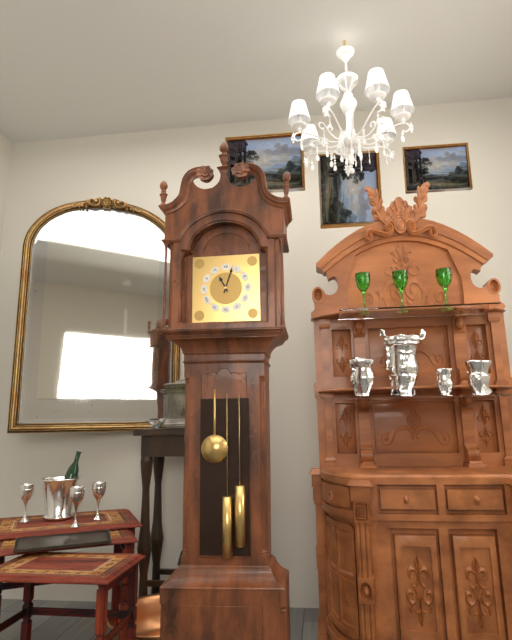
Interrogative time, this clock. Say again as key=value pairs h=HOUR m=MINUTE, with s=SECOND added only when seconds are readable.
h=11 m=3
